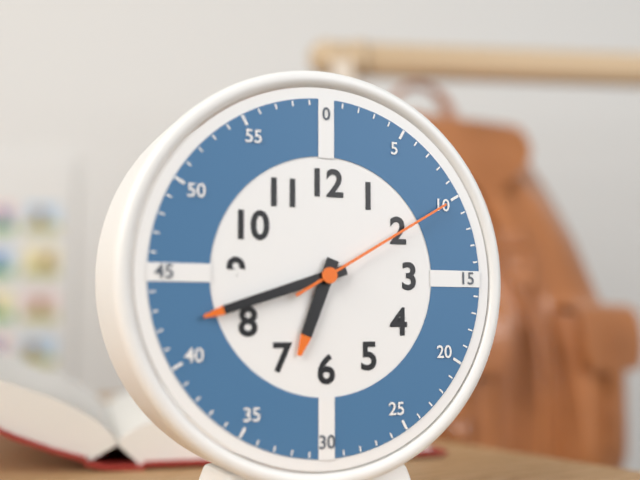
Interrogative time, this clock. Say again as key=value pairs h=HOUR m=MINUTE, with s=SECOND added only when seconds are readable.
h=6 m=42 s=10
